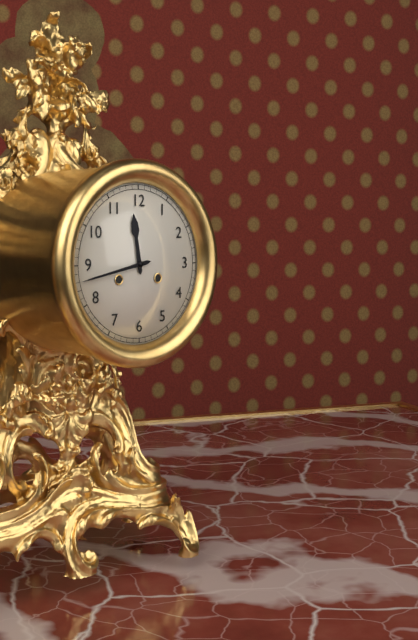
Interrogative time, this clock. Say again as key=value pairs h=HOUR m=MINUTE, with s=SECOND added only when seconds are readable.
h=11 m=43
